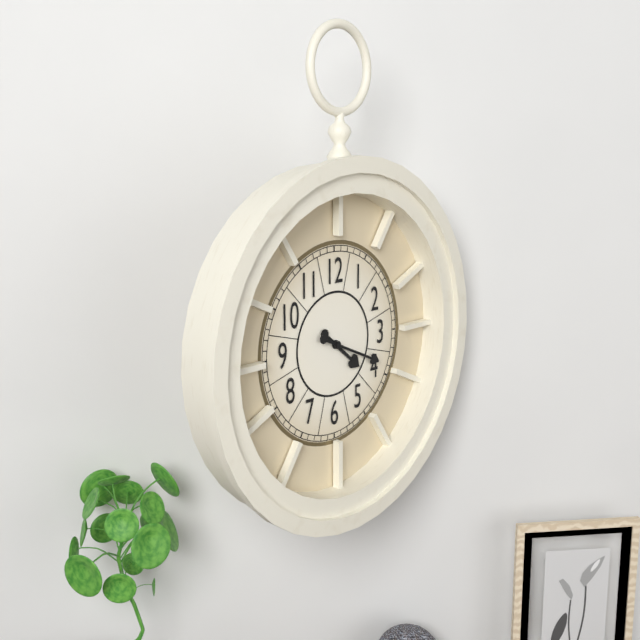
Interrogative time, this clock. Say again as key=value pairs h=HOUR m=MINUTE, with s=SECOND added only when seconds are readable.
h=4 m=19
